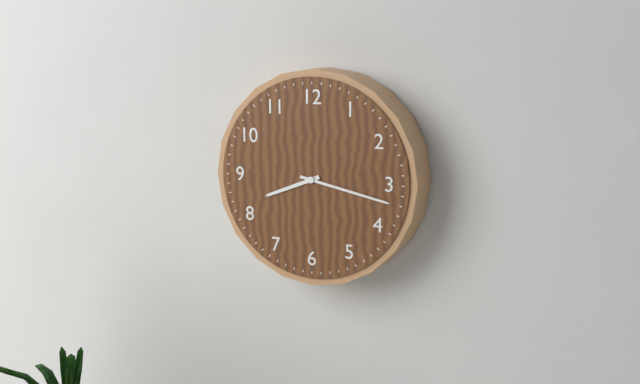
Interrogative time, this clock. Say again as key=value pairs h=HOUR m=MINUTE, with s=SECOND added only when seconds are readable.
h=8 m=17
